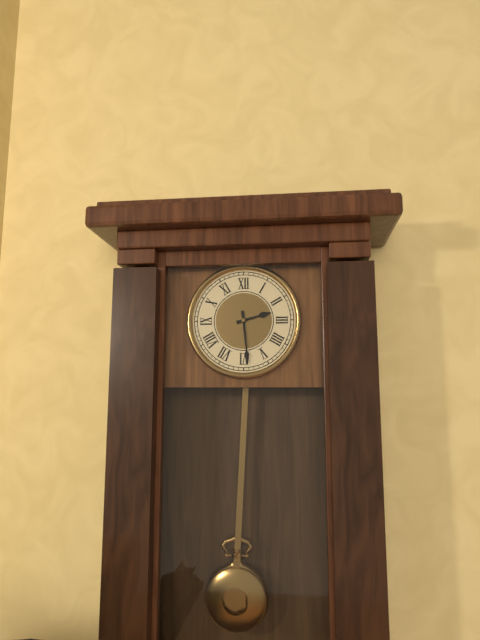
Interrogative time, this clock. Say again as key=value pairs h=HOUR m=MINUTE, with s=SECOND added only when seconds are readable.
h=2 m=29
